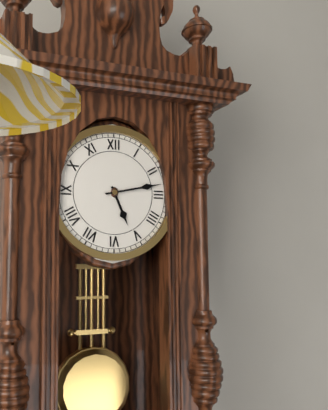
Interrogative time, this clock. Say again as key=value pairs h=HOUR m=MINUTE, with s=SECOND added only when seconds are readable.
h=5 m=13
